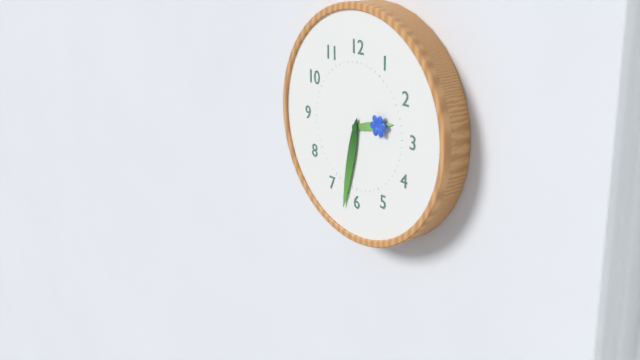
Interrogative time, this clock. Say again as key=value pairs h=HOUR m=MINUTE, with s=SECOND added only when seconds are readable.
h=2 m=32
